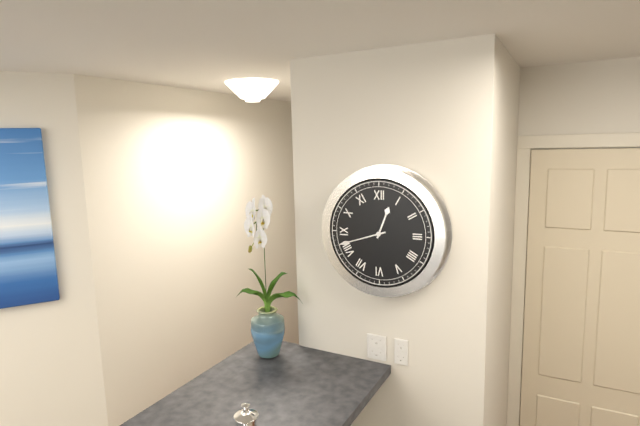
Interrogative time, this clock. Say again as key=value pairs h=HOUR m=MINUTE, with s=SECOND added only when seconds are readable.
h=12 m=42
